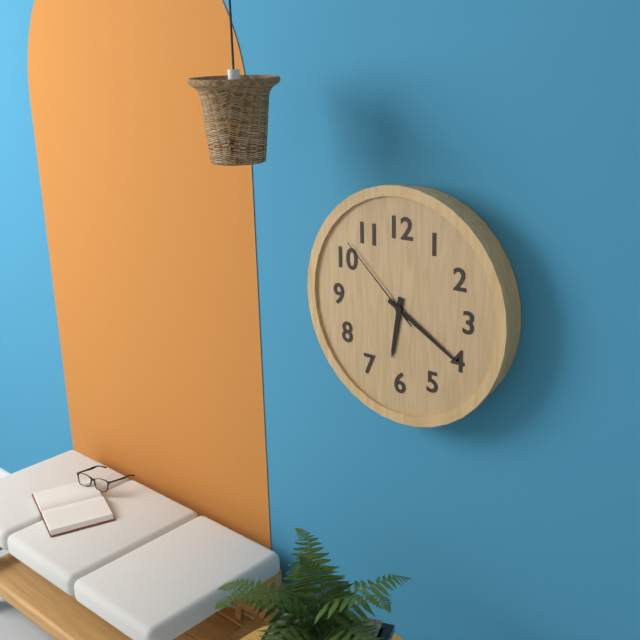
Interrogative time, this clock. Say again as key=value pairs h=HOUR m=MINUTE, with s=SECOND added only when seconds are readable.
h=6 m=20 s=52
